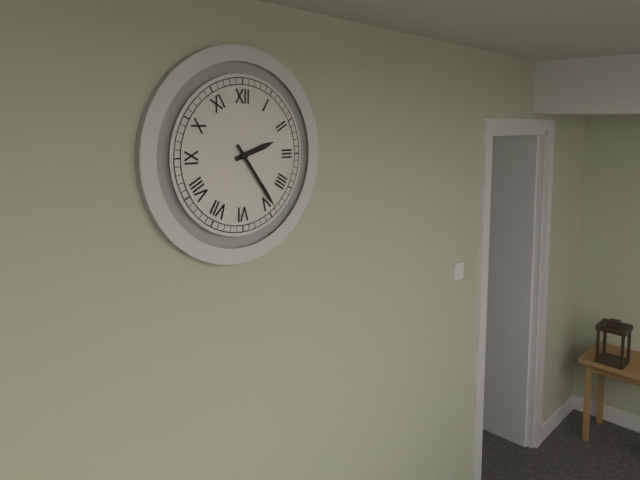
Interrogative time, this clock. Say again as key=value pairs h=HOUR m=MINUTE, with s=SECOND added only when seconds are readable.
h=2 m=24
